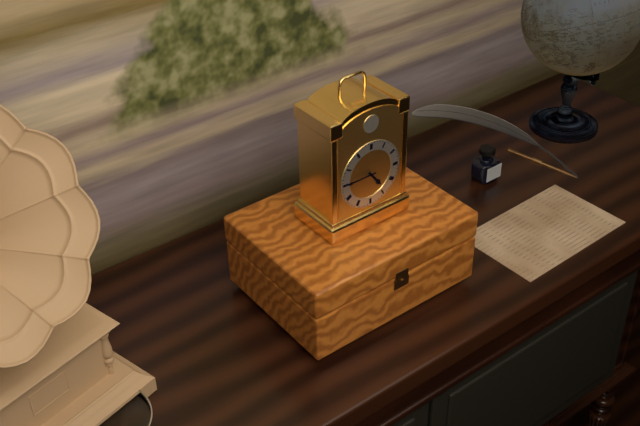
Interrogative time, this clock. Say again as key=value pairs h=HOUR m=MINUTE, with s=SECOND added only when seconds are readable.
h=4 m=45
